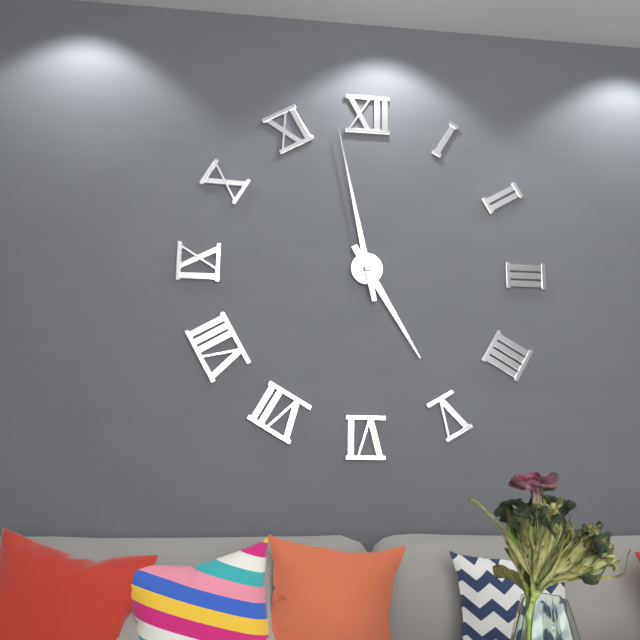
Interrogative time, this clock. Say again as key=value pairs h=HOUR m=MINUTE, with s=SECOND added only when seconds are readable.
h=4 m=58
